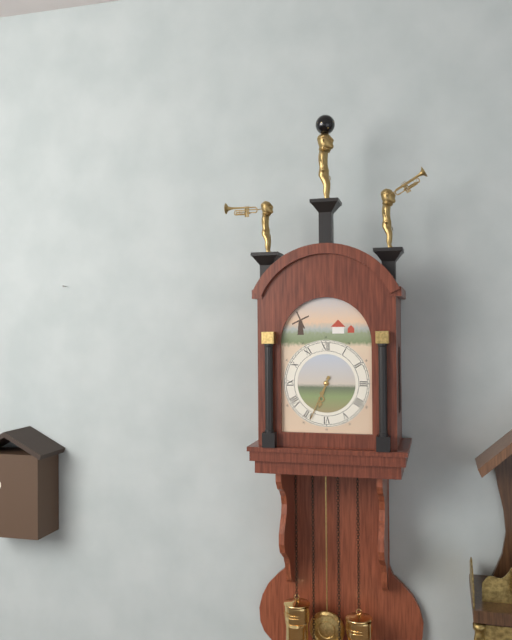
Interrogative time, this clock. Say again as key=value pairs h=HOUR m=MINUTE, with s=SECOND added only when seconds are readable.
h=6 m=34
